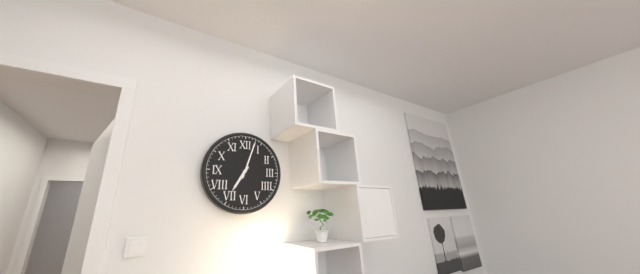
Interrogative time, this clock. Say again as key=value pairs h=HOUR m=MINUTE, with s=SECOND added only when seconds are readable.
h=7 m=3
